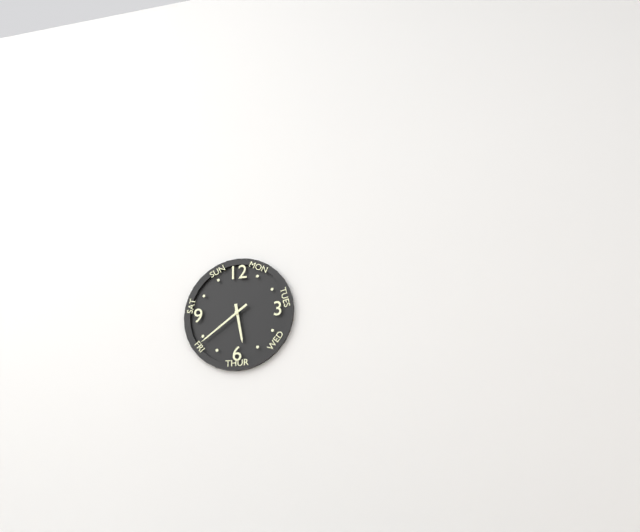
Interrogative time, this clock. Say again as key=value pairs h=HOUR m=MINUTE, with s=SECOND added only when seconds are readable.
h=5 m=39
